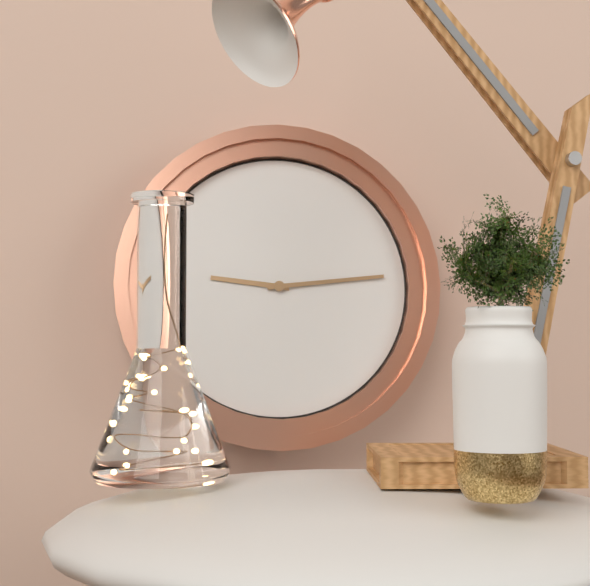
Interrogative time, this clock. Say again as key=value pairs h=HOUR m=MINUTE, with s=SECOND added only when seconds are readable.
h=9 m=14
